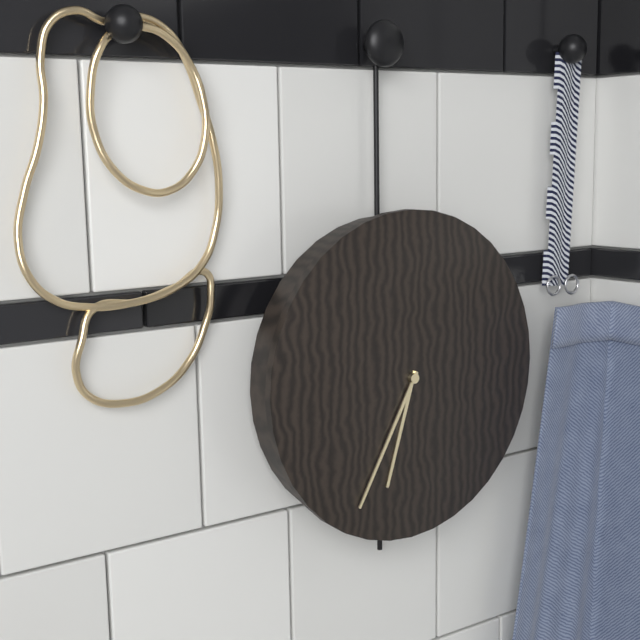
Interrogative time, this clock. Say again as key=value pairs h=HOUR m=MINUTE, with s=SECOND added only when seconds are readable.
h=6 m=35
